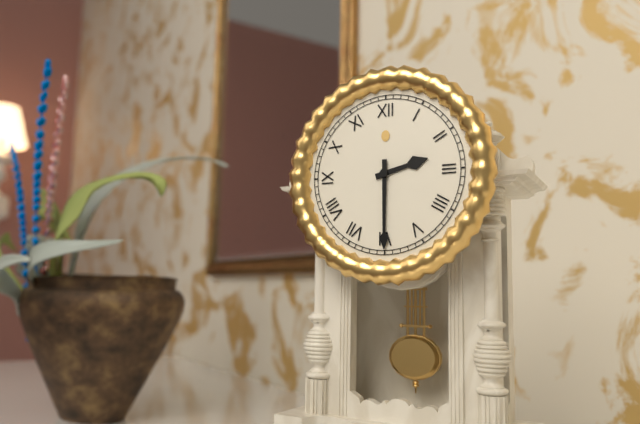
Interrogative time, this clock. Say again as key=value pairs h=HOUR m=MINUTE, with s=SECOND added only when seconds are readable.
h=2 m=30
